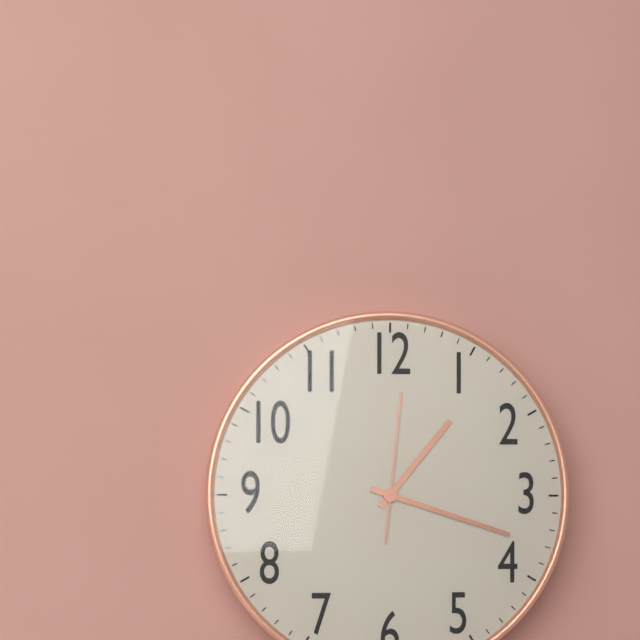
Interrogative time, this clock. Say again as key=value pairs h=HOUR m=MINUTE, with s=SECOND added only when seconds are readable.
h=1 m=18 s=1
